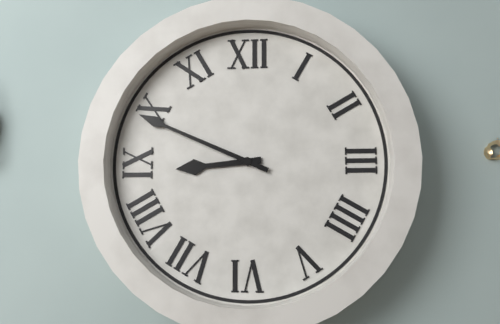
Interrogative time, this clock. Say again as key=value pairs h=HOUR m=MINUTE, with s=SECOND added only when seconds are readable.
h=8 m=49
